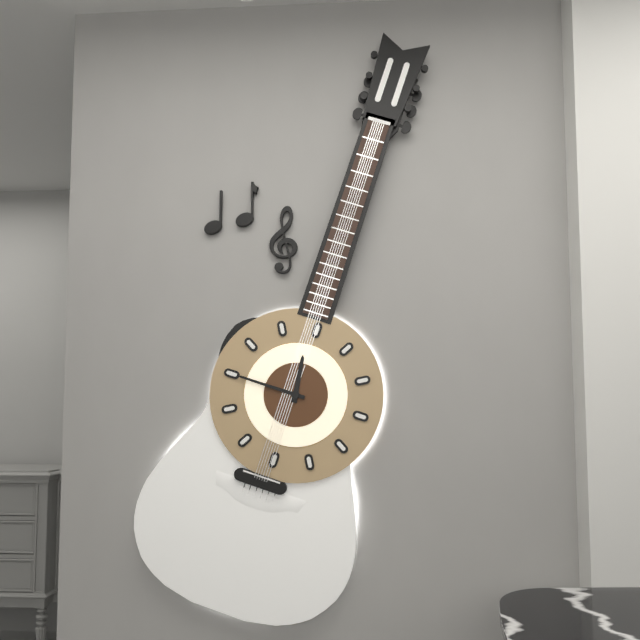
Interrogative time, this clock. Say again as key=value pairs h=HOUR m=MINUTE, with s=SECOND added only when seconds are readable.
h=11 m=45
